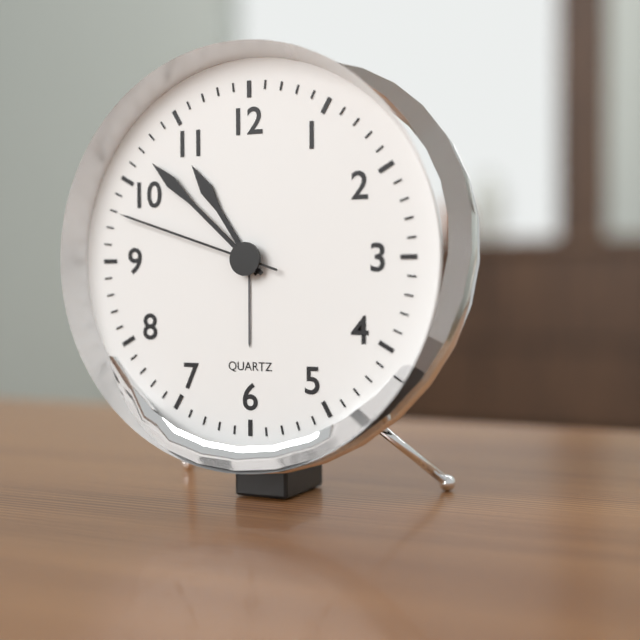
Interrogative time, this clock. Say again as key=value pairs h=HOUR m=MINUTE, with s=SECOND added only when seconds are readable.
h=10 m=52 s=48
